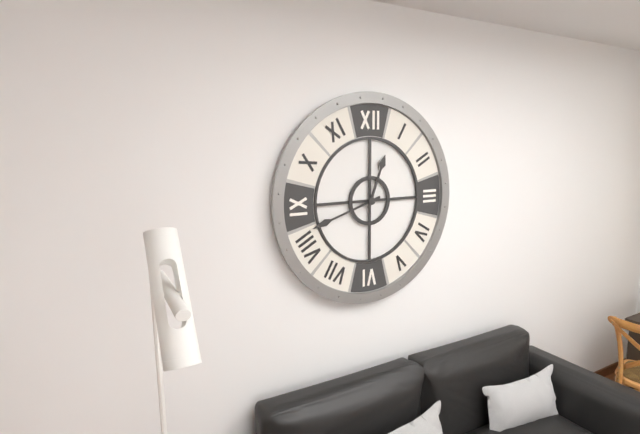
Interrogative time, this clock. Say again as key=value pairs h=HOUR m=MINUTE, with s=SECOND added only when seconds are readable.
h=12 m=42
